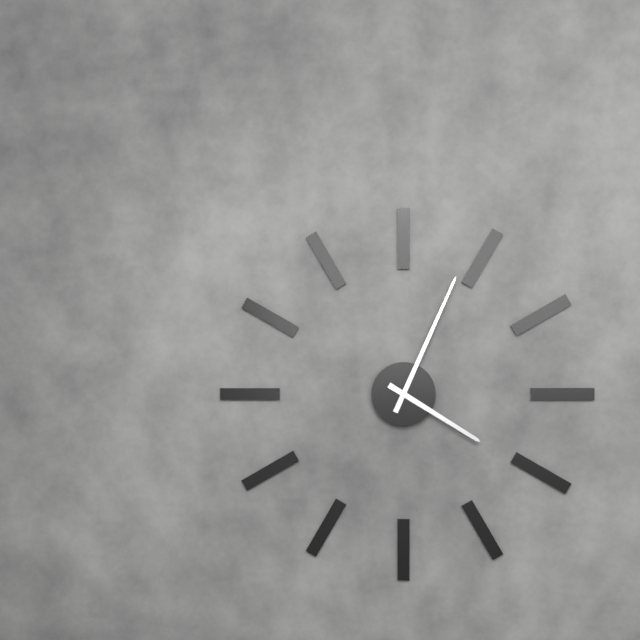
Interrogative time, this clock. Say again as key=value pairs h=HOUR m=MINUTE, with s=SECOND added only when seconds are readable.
h=4 m=4
